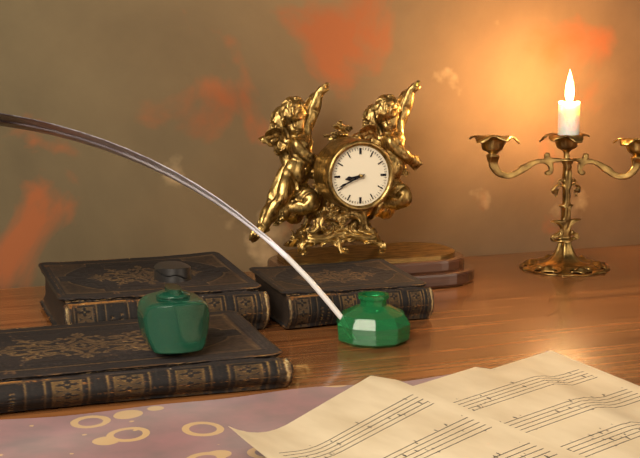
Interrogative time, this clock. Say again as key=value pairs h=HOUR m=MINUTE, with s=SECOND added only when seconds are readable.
h=8 m=41
